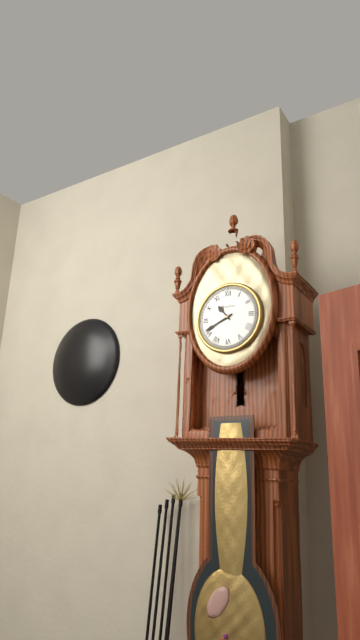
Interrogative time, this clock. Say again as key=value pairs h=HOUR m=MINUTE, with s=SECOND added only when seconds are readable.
h=10 m=41
